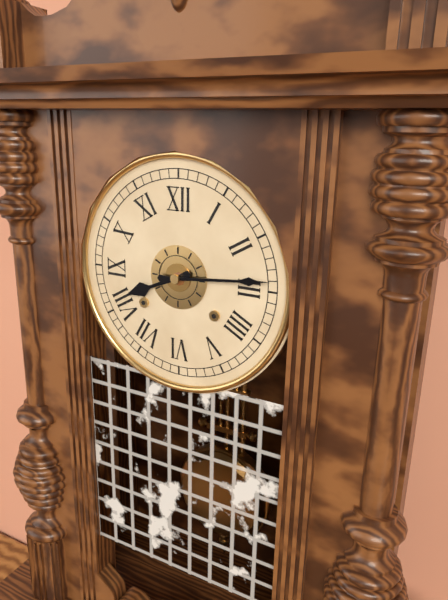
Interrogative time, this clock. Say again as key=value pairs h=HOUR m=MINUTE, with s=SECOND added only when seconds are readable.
h=8 m=14
